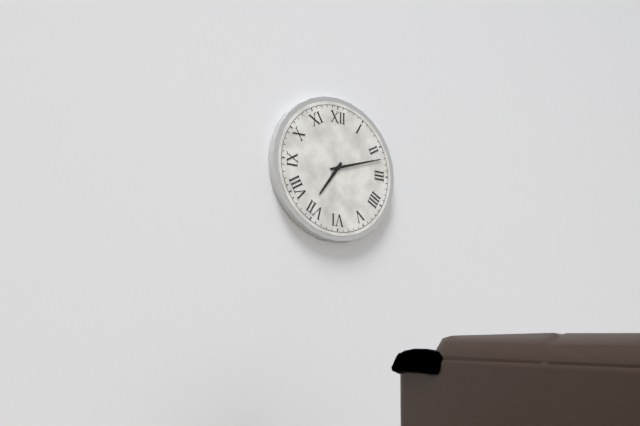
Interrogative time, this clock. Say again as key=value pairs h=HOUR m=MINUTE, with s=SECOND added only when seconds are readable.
h=7 m=12
